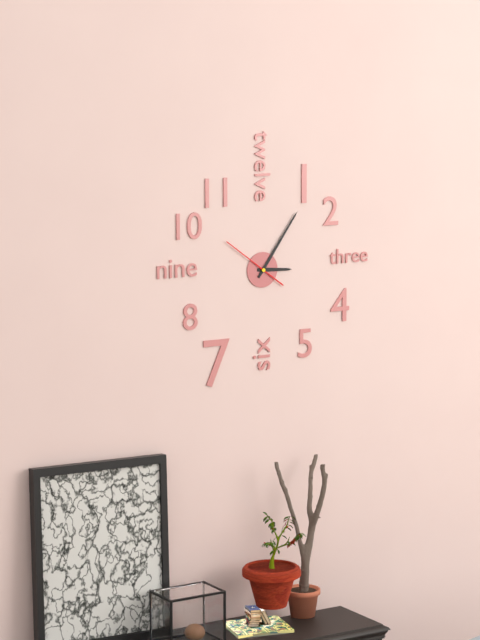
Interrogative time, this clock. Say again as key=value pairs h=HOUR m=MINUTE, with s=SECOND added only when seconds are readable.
h=3 m=6 s=51
